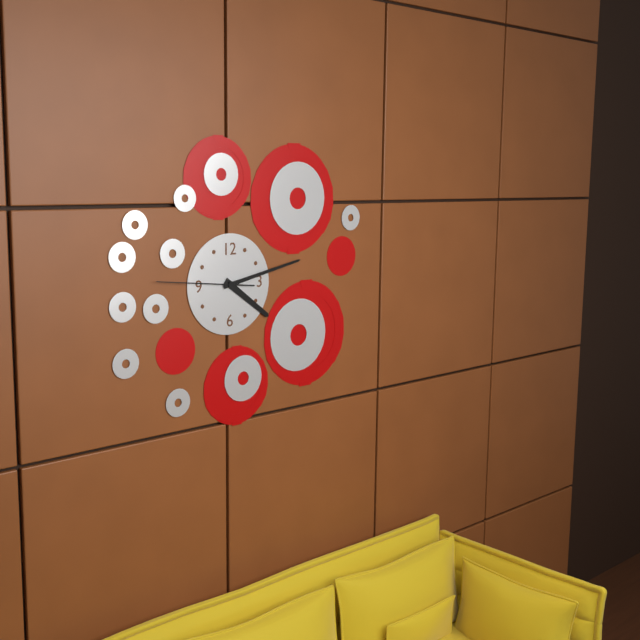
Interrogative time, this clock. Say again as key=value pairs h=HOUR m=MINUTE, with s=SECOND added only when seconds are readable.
h=4 m=13 s=46
